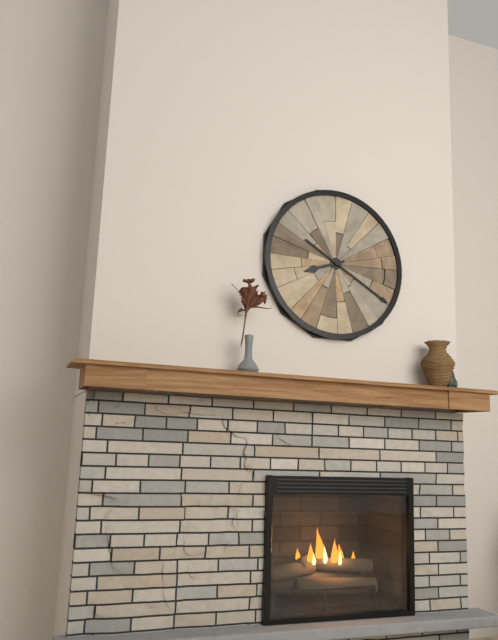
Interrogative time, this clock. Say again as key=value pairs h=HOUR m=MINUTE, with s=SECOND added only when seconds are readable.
h=8 m=20
